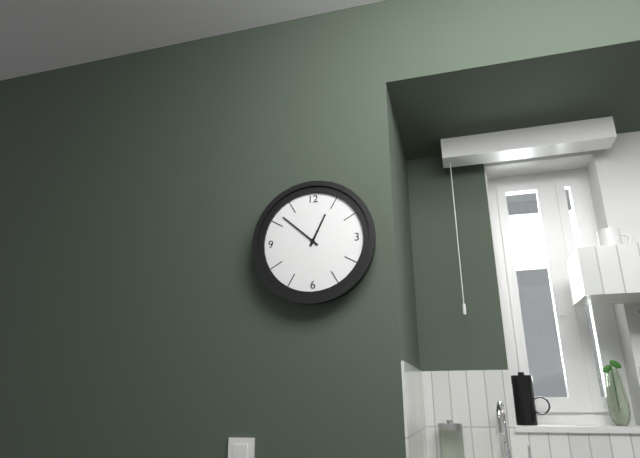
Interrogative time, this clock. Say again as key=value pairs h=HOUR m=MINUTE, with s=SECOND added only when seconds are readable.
h=12 m=52
